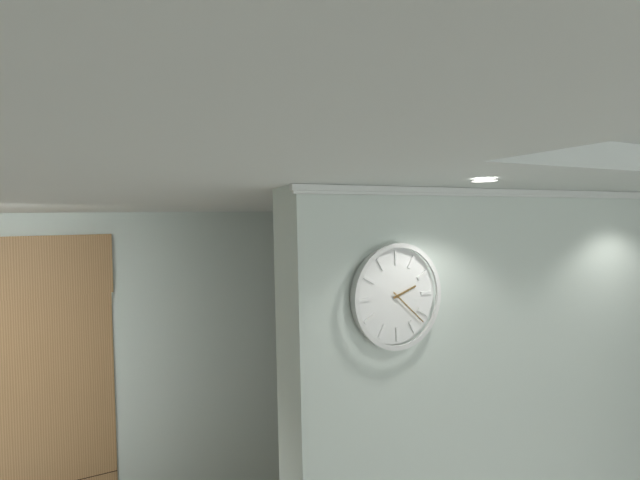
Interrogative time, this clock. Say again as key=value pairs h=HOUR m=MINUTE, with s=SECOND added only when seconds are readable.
h=2 m=22
